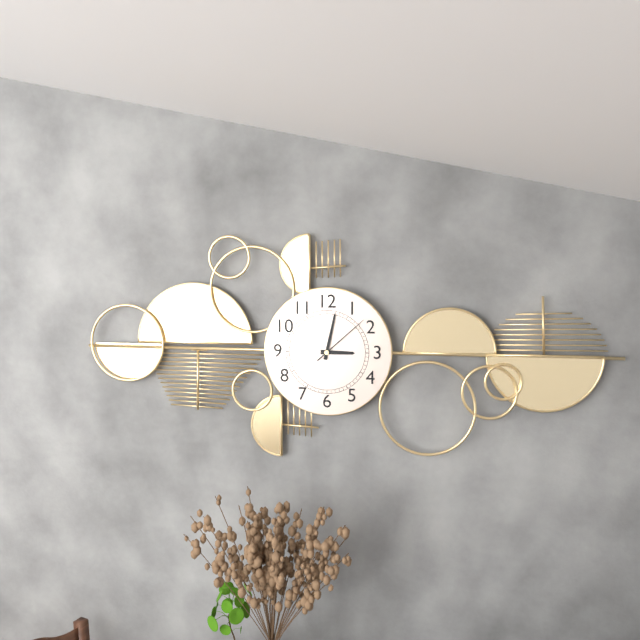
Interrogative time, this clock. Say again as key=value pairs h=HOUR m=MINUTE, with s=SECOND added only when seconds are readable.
h=3 m=2 s=8
